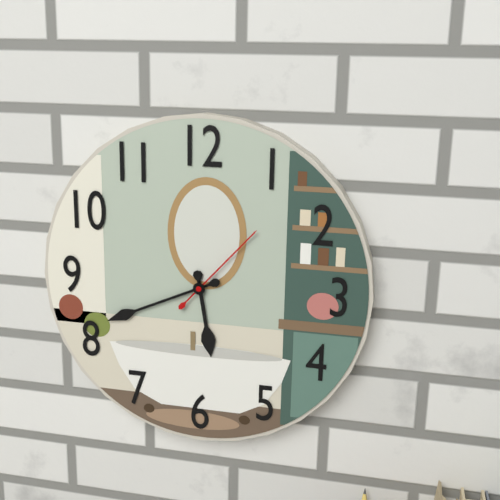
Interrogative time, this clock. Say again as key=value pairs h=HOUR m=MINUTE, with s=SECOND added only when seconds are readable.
h=5 m=41 s=7
